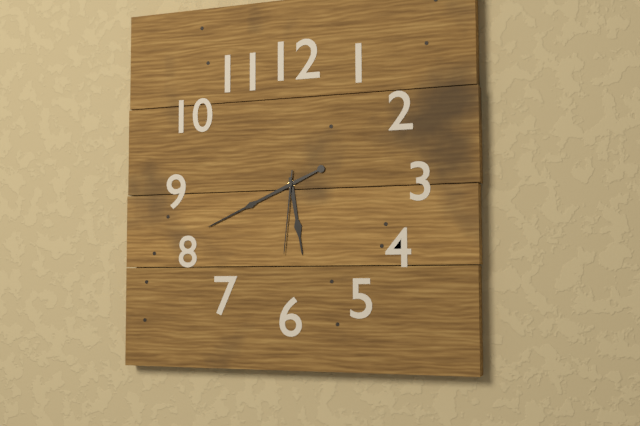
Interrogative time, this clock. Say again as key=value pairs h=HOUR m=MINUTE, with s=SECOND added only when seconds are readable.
h=5 m=41 s=31
